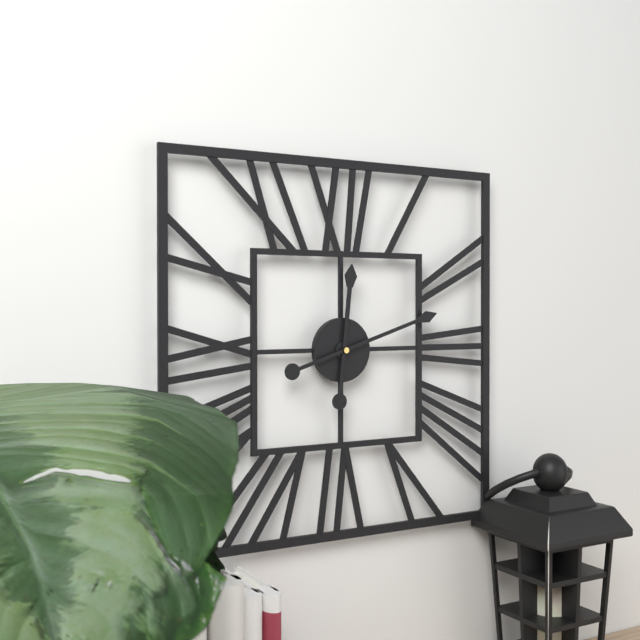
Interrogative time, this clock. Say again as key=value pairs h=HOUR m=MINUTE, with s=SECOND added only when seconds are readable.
h=12 m=12
